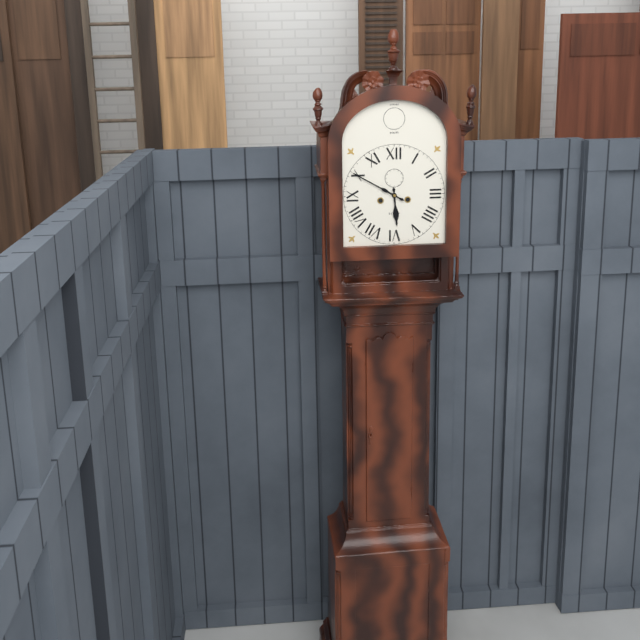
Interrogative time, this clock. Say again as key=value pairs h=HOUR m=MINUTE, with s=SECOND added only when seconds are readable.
h=5 m=50
